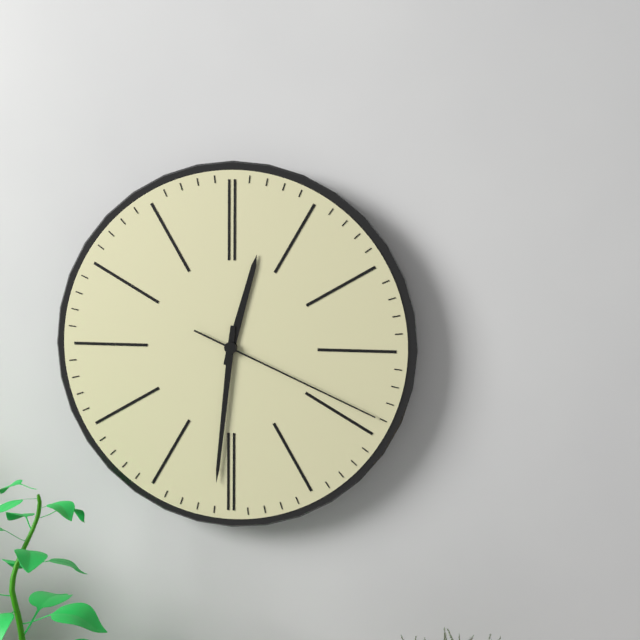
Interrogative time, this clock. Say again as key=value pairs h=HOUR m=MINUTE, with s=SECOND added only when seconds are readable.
h=12 m=31 s=19
